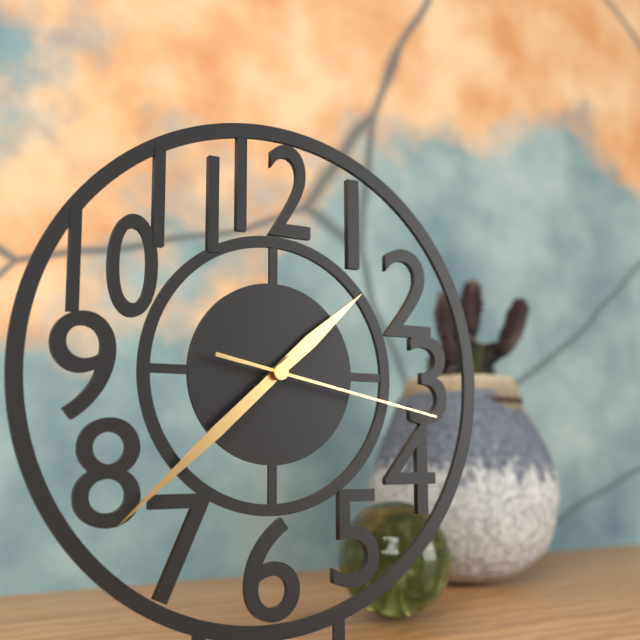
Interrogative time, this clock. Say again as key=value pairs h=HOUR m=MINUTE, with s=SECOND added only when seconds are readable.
h=1 m=38 s=17
